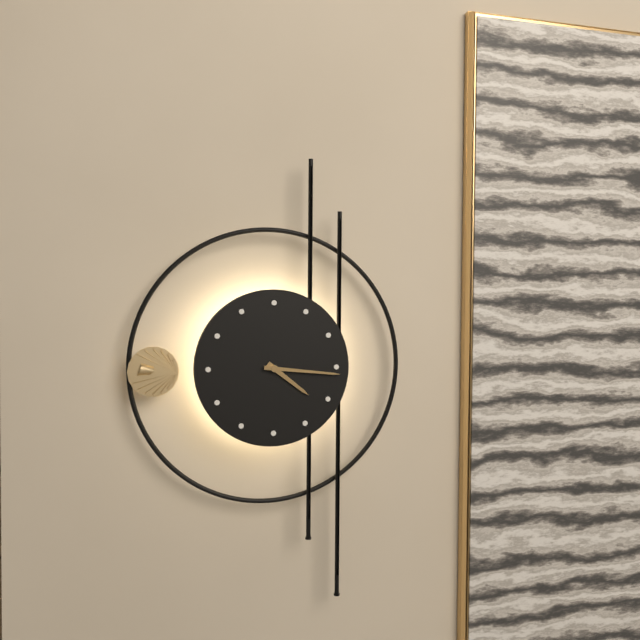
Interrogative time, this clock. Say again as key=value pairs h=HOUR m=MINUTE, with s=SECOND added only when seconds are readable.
h=4 m=16
